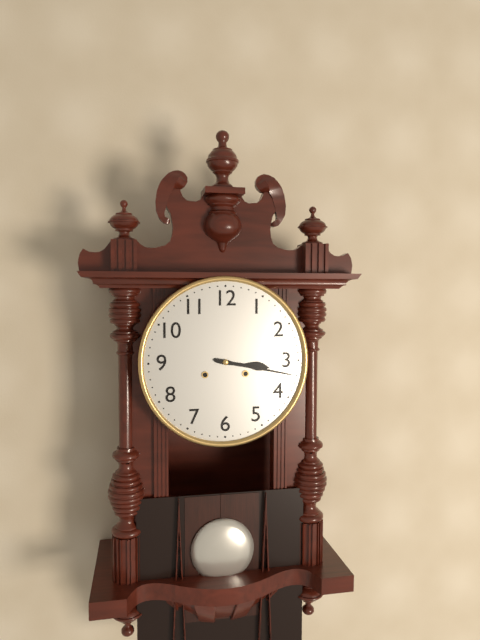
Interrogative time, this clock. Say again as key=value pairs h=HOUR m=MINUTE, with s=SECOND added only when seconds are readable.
h=3 m=17
